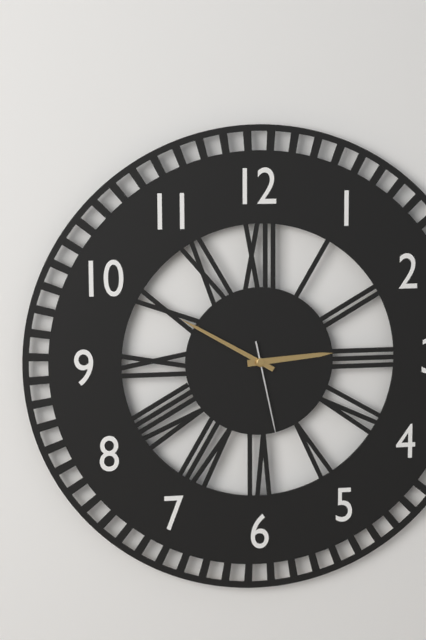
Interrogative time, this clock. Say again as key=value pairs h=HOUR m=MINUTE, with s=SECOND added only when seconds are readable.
h=2 m=50 s=28
